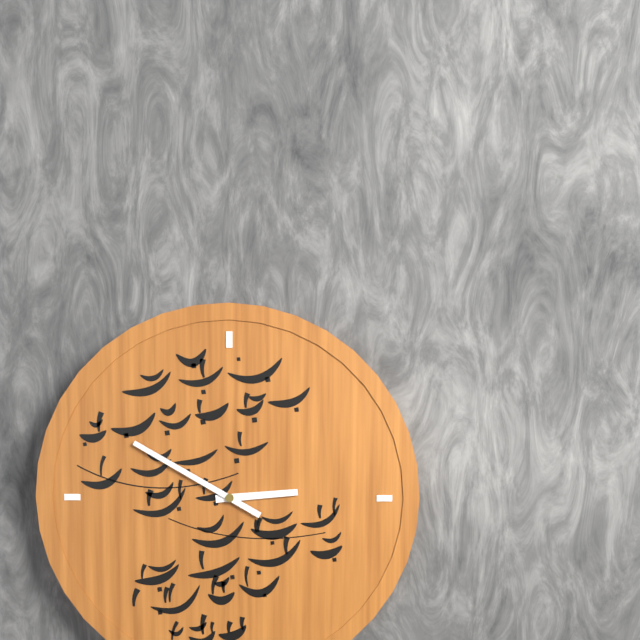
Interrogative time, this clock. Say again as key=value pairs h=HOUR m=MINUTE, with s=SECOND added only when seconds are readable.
h=2 m=50
